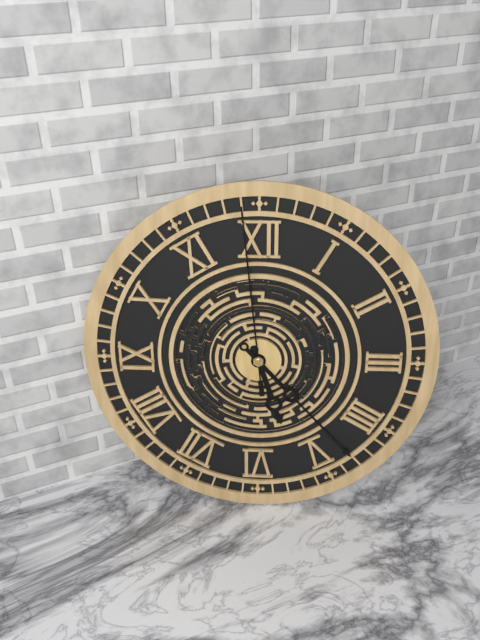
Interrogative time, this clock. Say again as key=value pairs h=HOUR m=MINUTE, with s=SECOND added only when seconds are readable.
h=5 m=23 s=59
